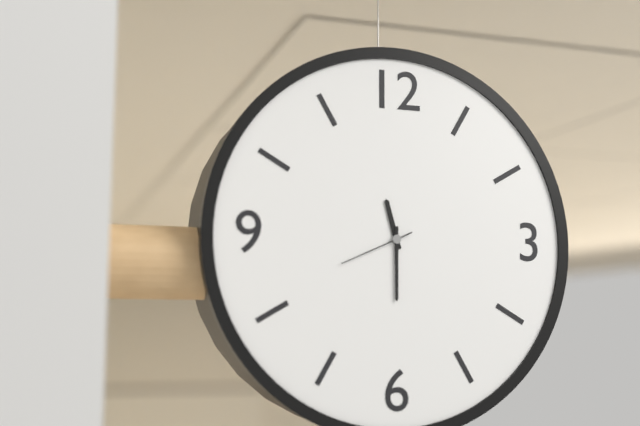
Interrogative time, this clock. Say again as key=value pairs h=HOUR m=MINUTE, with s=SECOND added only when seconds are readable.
h=11 m=30 s=41
